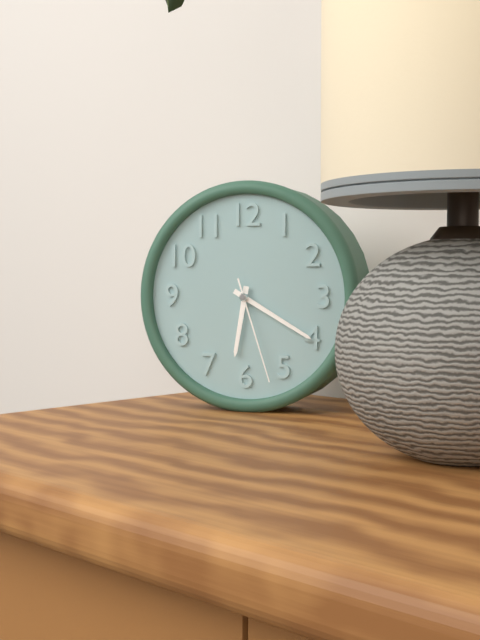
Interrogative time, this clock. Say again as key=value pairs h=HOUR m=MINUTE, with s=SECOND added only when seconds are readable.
h=6 m=20 s=27
